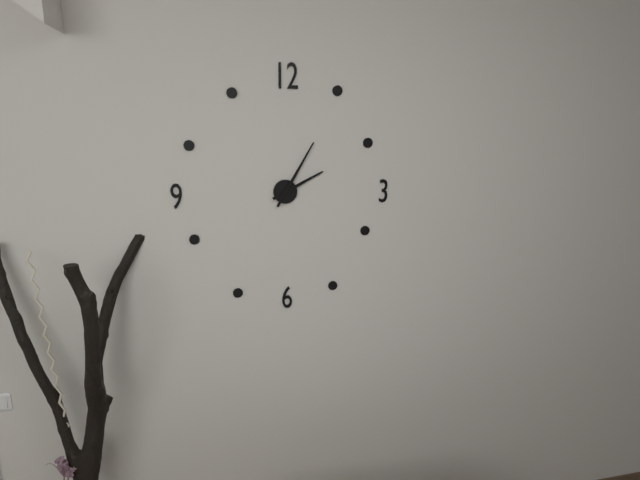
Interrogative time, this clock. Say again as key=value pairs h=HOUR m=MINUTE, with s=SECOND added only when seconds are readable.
h=2 m=5
